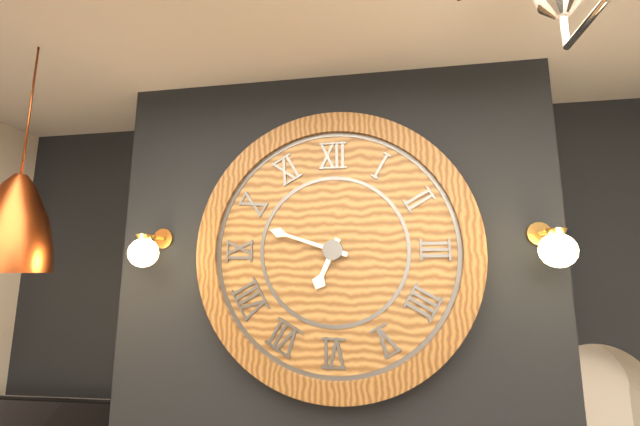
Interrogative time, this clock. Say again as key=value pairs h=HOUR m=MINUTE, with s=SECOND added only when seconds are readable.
h=6 m=48
